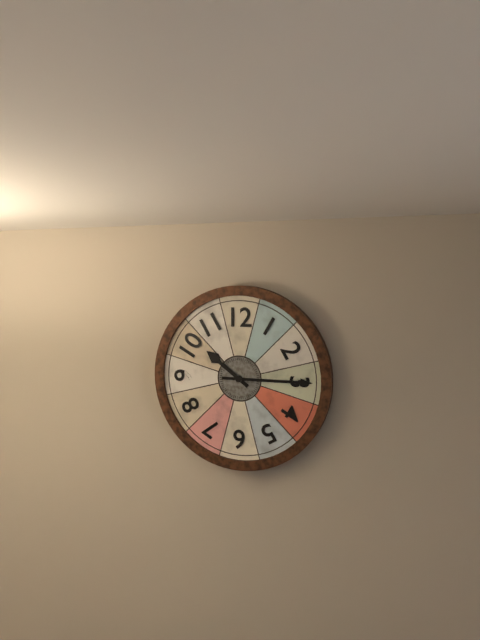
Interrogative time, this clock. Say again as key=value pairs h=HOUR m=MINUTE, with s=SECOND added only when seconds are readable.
h=10 m=15
